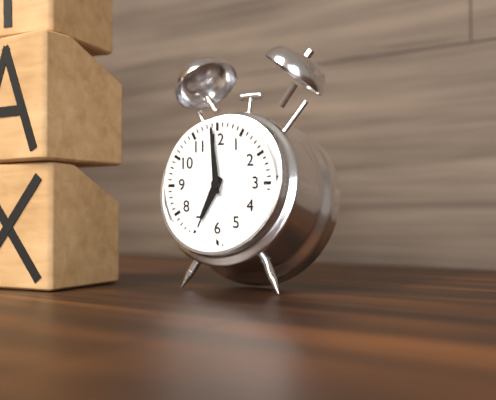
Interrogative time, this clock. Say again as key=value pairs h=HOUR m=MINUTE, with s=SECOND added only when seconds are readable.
h=6 m=59
